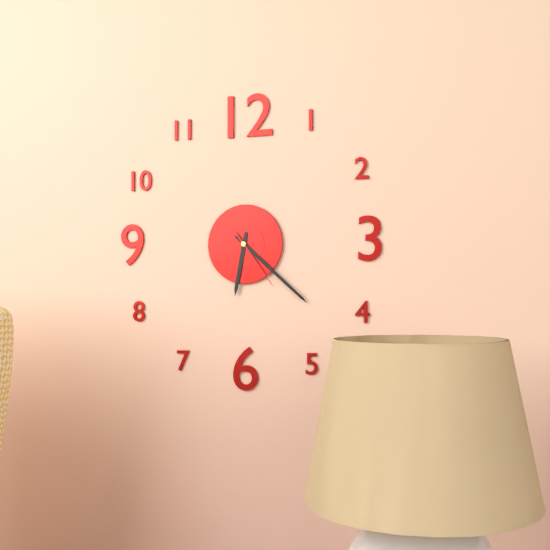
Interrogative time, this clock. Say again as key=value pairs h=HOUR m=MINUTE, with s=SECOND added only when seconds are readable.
h=6 m=22 s=24
